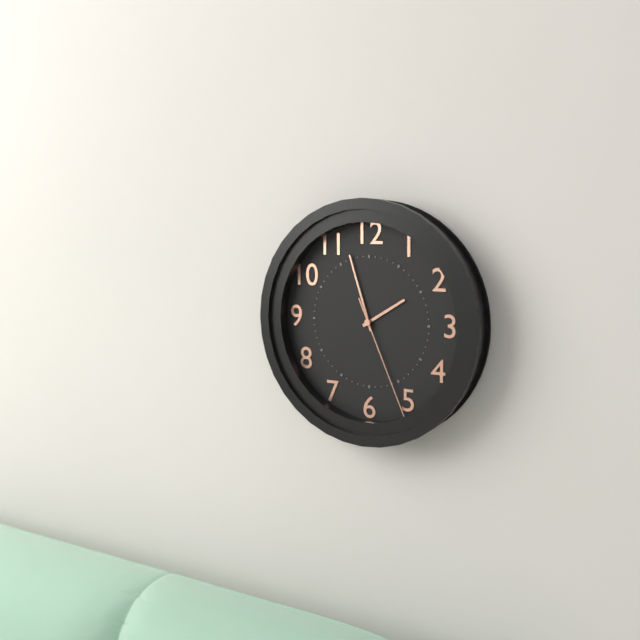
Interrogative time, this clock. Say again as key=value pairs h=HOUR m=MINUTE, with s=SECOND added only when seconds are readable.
h=1 m=57 s=26
